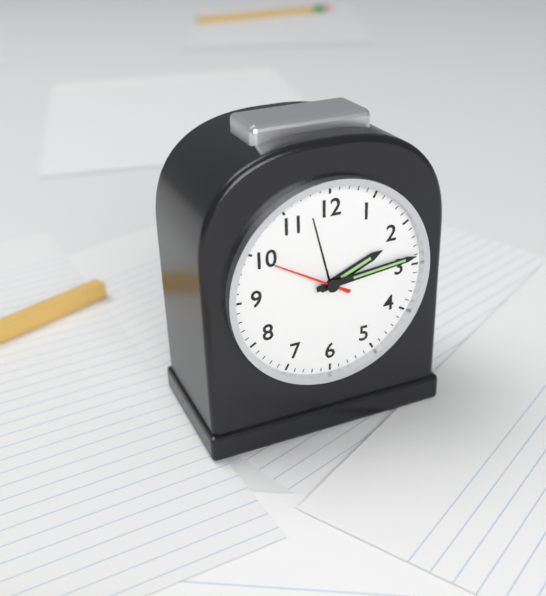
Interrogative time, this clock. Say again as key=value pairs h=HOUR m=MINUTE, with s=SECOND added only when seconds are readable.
h=2 m=14 s=50
